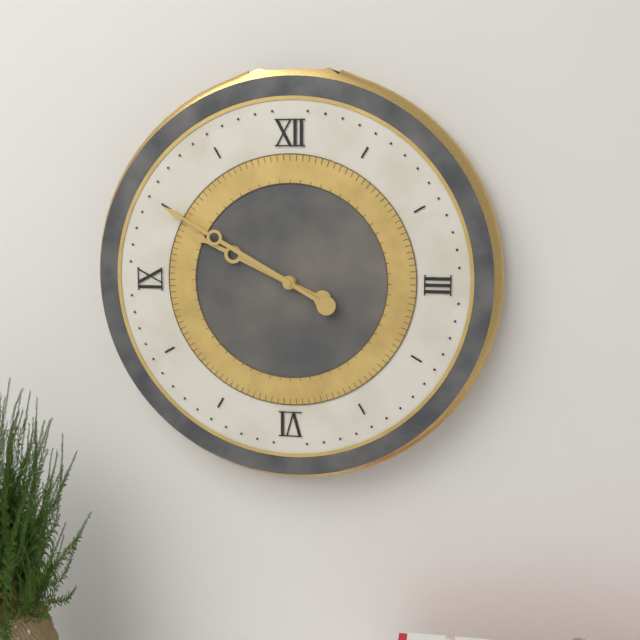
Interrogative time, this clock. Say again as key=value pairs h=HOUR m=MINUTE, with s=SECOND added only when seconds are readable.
h=9 m=50
